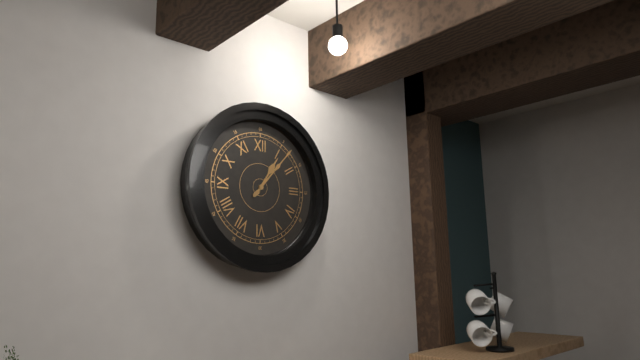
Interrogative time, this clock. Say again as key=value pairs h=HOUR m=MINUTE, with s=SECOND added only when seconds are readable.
h=1 m=7
